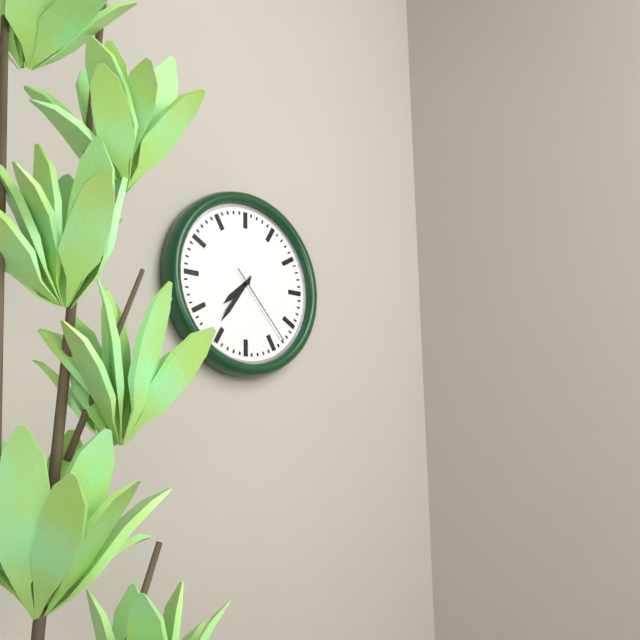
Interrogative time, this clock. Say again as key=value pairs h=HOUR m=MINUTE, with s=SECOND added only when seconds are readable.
h=7 m=36 s=23
